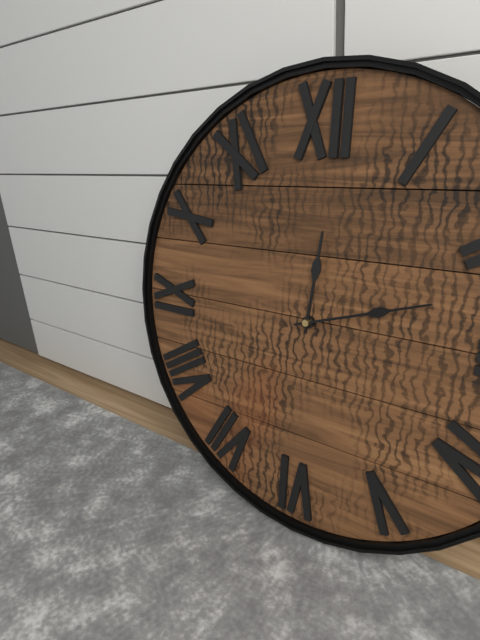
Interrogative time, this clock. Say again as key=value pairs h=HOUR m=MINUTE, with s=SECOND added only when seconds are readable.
h=12 m=12
